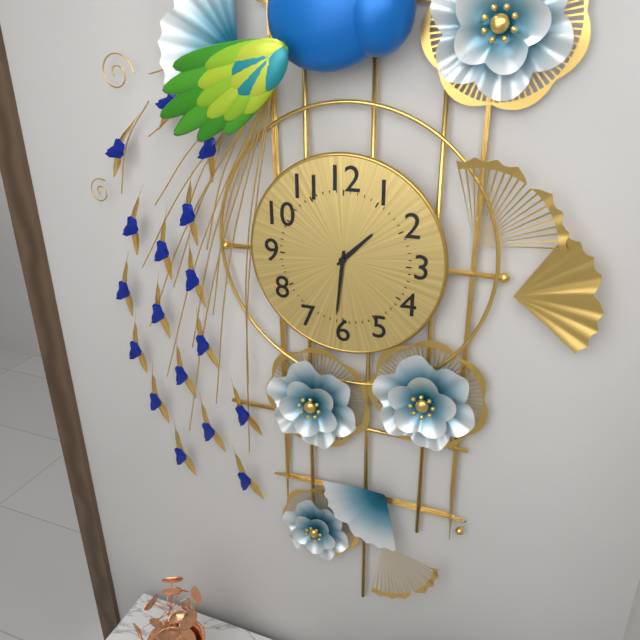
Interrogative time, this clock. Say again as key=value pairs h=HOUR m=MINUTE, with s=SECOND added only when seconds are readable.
h=1 m=31
